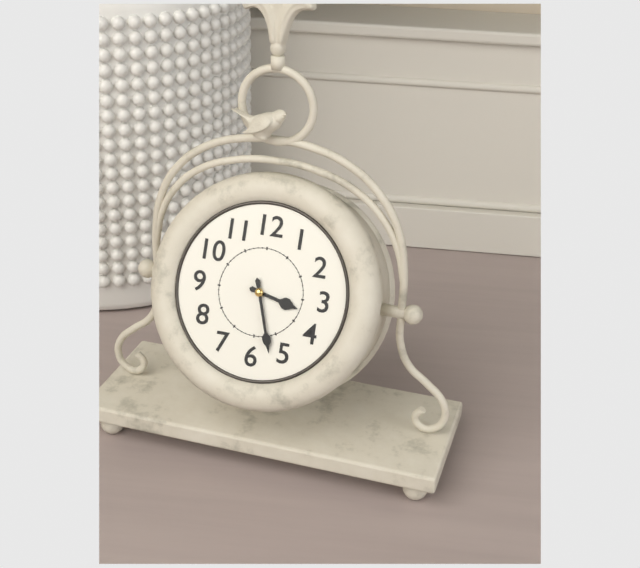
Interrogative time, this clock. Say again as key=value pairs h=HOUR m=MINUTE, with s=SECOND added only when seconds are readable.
h=3 m=27
